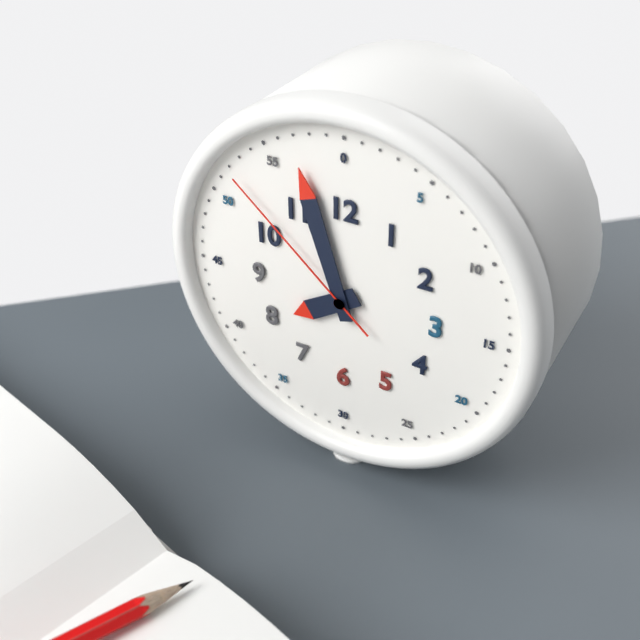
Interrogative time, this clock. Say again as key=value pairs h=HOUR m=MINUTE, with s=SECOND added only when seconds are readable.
h=7 m=57 s=52
